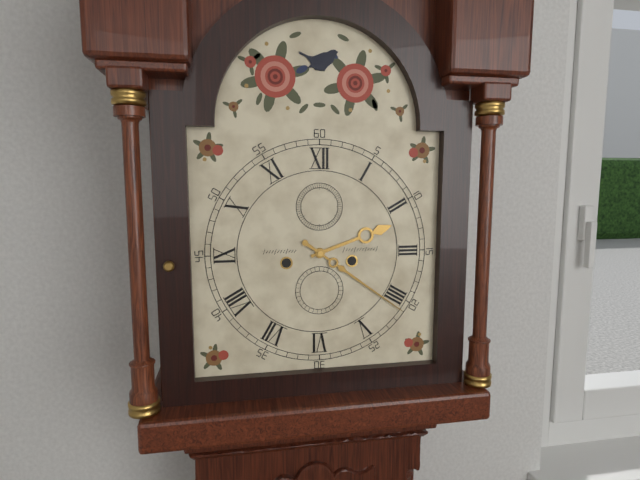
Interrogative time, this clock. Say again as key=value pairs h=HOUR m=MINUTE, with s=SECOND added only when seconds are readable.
h=2 m=21
